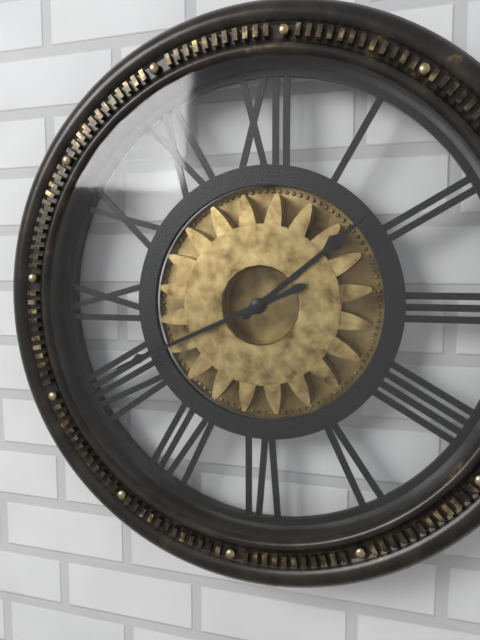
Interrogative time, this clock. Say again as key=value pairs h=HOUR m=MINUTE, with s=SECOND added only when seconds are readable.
h=1 m=41
